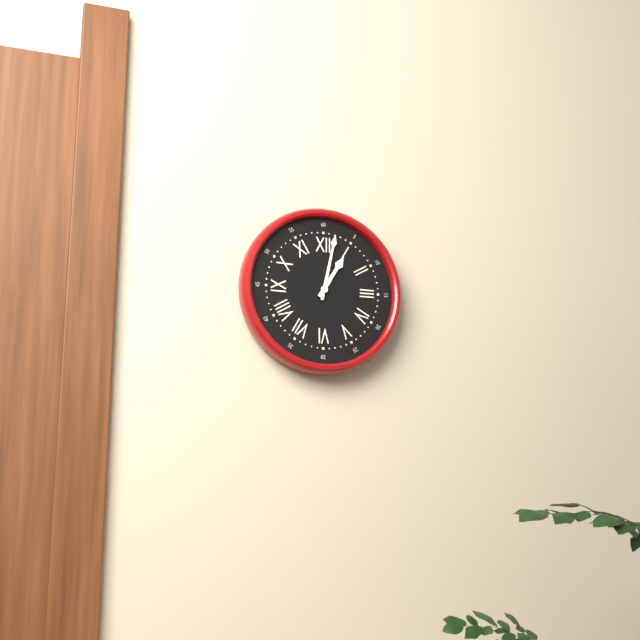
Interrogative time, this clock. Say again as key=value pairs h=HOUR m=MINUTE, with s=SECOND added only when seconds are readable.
h=1 m=2
